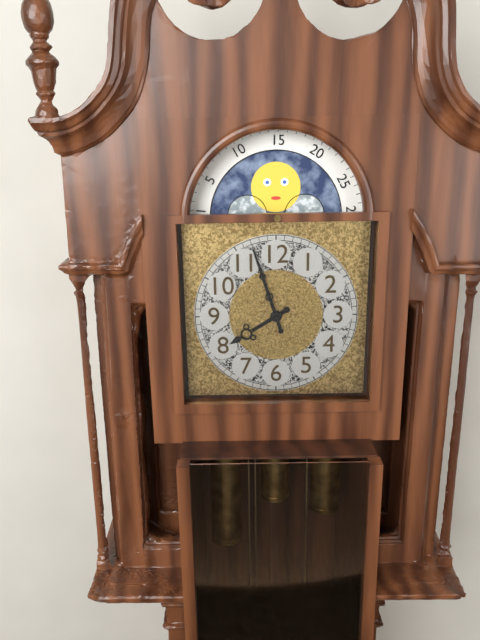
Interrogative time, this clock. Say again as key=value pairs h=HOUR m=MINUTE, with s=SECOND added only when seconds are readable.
h=7 m=57
